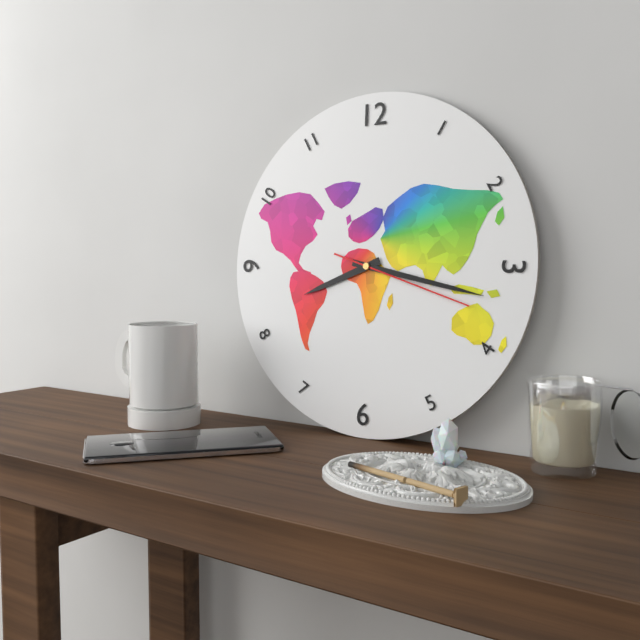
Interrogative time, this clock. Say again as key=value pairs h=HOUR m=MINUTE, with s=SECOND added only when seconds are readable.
h=8 m=17 s=18
